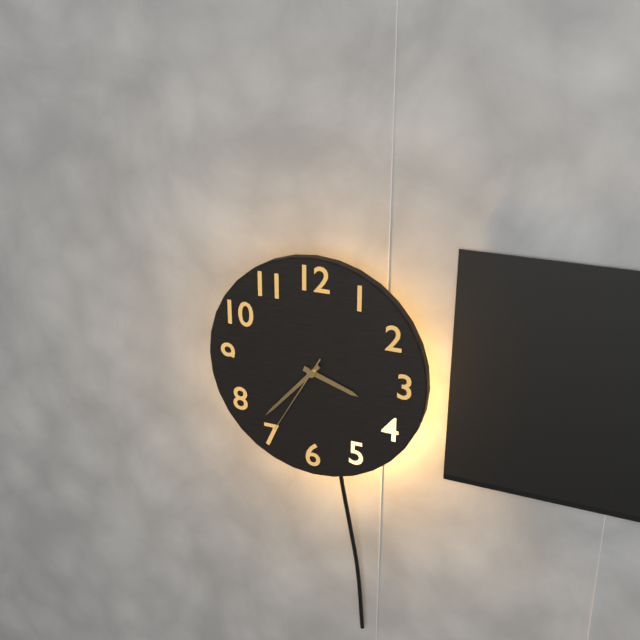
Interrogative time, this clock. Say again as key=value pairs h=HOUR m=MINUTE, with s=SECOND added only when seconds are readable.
h=3 m=37 s=35
